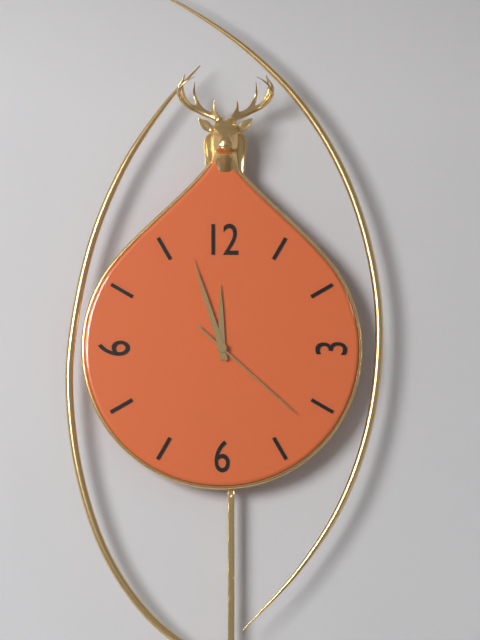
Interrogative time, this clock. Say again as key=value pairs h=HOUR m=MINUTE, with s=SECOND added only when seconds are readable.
h=11 m=57 s=22
